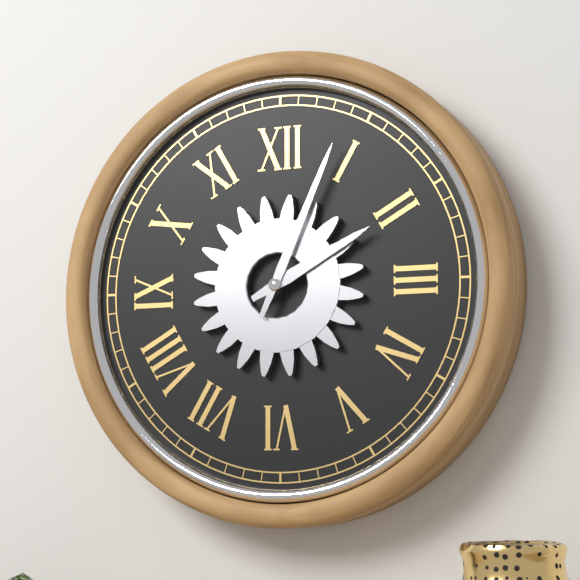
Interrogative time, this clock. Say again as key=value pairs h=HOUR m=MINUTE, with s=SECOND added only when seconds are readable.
h=2 m=4
